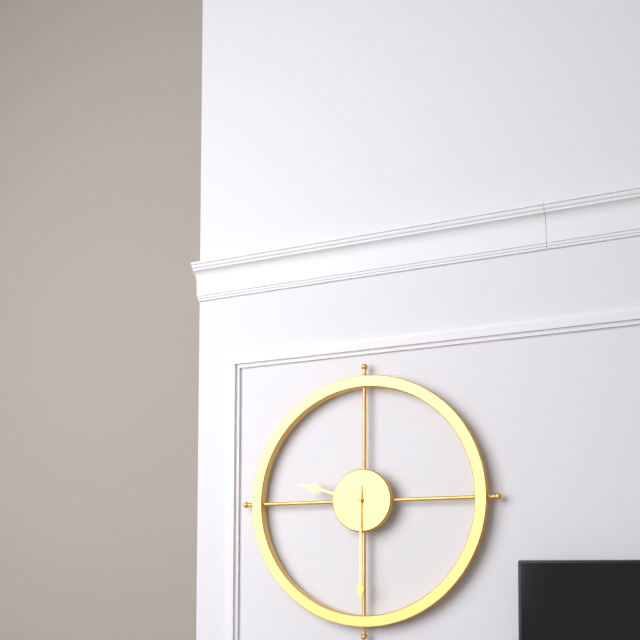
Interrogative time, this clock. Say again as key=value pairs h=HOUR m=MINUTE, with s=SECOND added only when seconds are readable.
h=9 m=30
